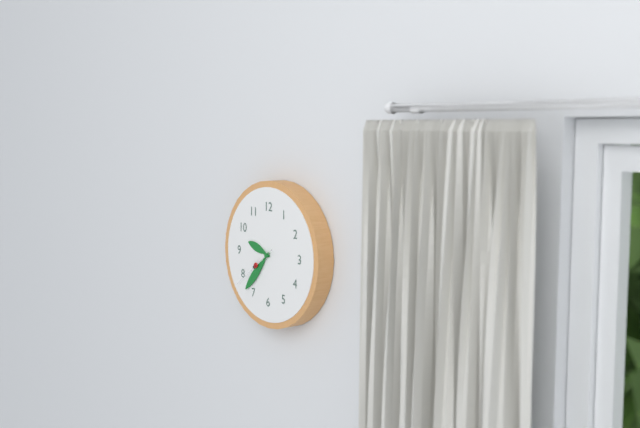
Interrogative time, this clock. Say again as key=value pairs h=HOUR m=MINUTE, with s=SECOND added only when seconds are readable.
h=9 m=37 s=39
